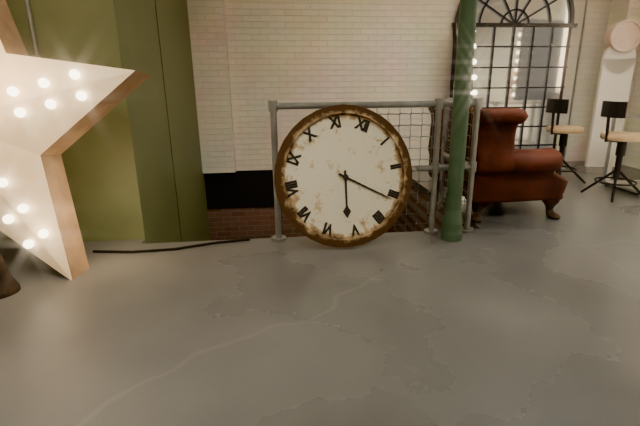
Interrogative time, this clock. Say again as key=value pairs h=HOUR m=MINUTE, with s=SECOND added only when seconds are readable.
h=5 m=16
